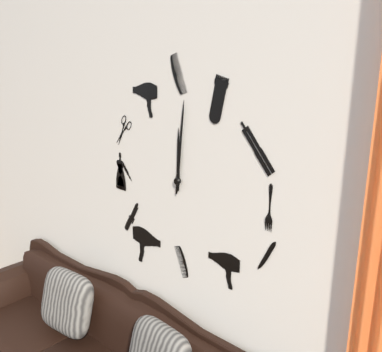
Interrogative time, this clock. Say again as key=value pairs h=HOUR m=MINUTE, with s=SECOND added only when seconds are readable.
h=12 m=1
